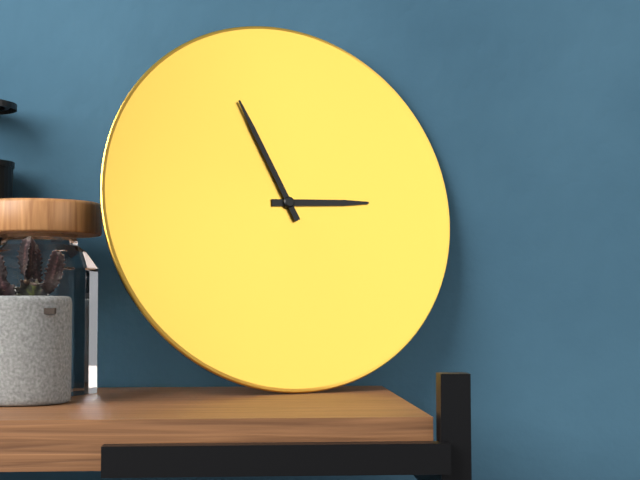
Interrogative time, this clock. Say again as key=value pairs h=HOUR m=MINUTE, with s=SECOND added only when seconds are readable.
h=2 m=56
